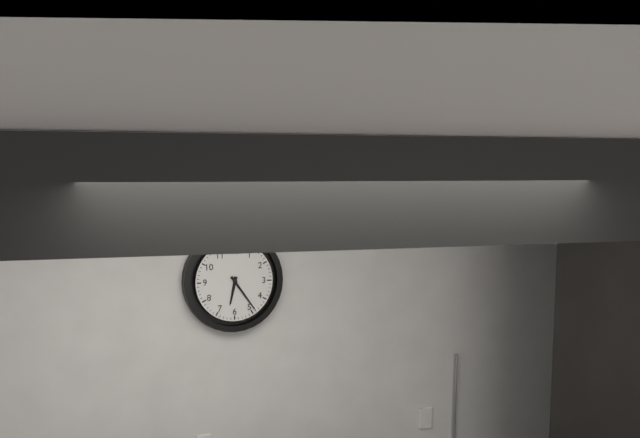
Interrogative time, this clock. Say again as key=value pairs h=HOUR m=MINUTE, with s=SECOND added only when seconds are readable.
h=6 m=24
